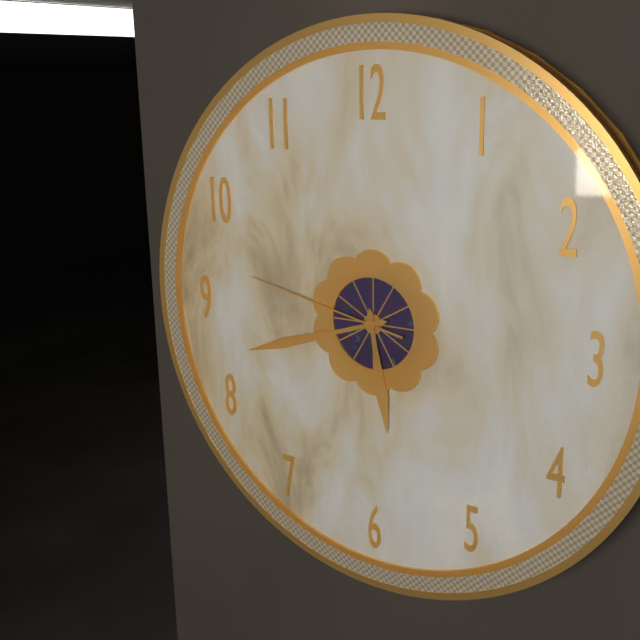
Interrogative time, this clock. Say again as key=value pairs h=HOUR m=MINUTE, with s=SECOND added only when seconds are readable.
h=5 m=42 s=47
